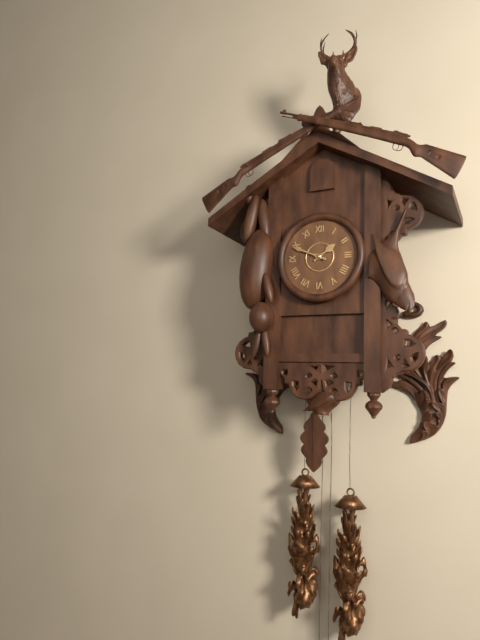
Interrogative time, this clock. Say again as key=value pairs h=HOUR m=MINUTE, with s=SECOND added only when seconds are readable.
h=1 m=49
